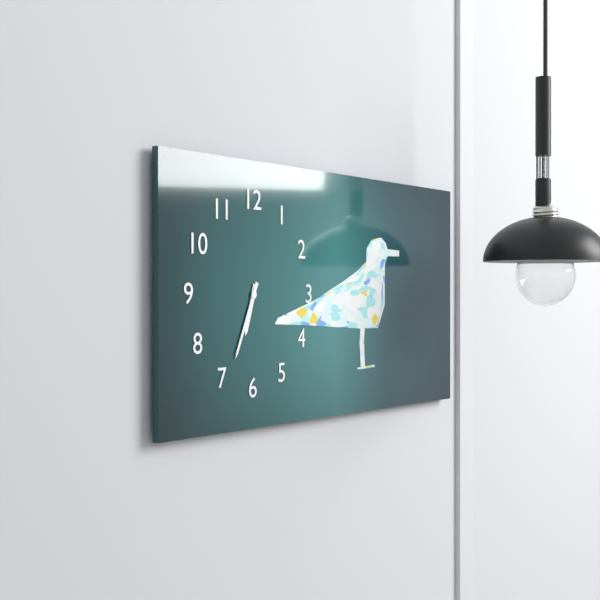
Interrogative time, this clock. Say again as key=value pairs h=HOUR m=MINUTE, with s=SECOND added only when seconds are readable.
h=6 m=34
